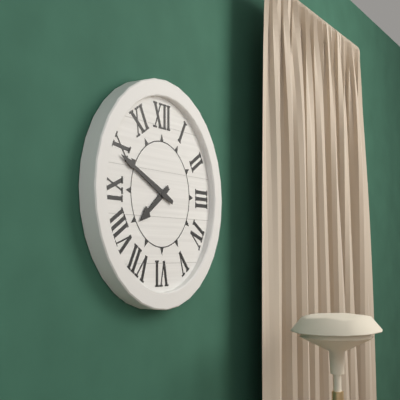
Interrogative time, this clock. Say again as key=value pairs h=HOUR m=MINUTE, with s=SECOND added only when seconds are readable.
h=7 m=49
